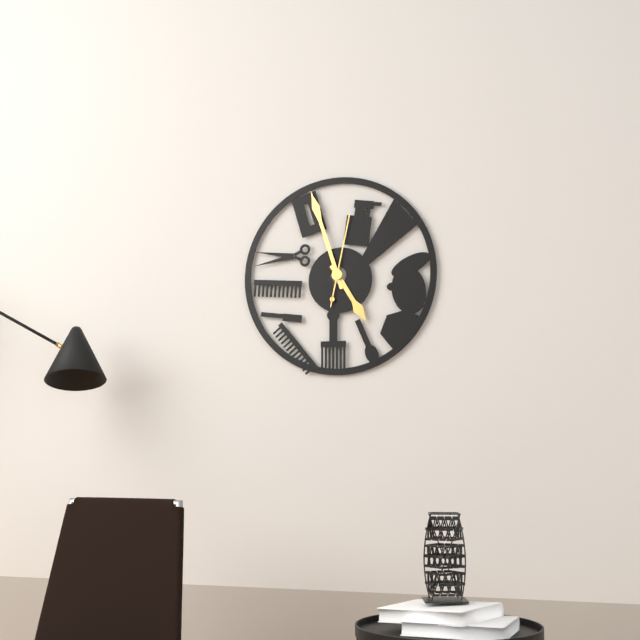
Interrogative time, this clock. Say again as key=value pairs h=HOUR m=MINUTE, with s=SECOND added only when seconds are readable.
h=4 m=57 s=2
